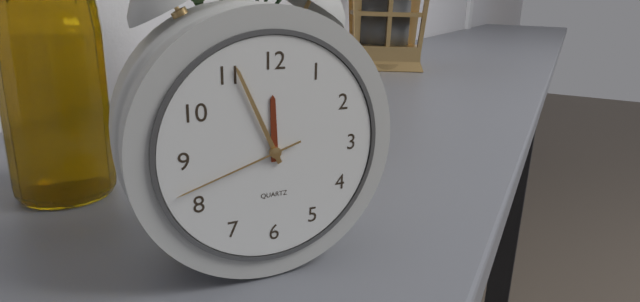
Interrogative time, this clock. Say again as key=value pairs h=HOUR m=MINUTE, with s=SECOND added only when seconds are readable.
h=11 m=56 s=42
